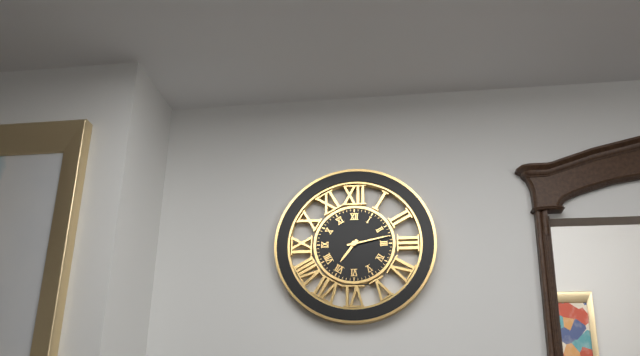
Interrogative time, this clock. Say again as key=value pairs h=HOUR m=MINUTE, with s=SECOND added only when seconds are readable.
h=7 m=13
